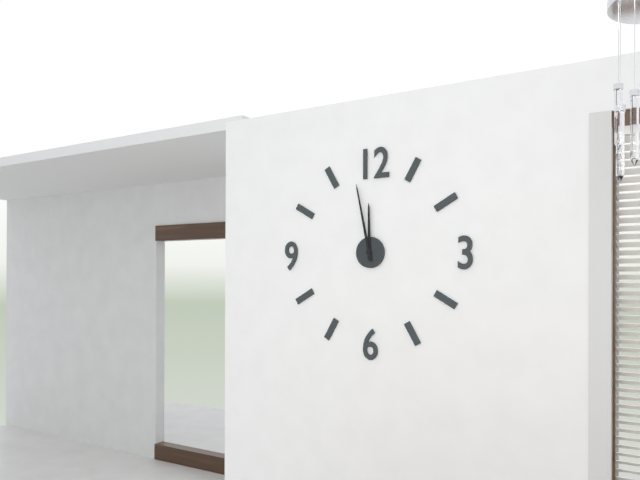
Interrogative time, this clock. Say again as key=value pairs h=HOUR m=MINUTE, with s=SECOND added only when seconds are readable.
h=11 m=58
